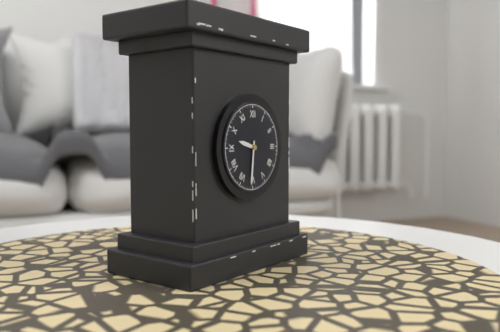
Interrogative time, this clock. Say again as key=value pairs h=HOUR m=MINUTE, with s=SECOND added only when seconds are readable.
h=9 m=31
